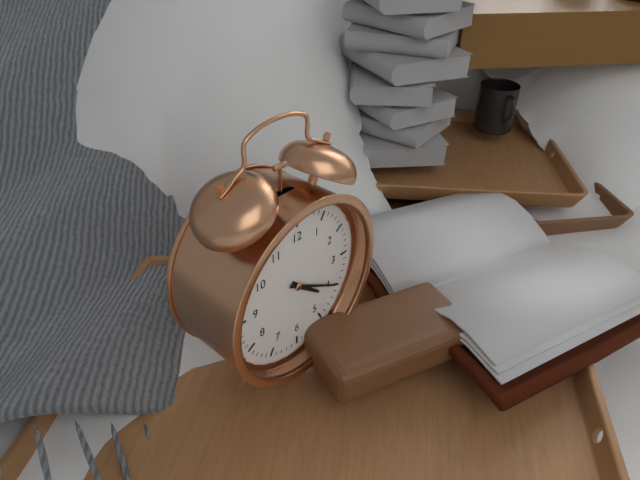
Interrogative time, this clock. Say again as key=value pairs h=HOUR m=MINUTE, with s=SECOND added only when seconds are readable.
h=4 m=20
